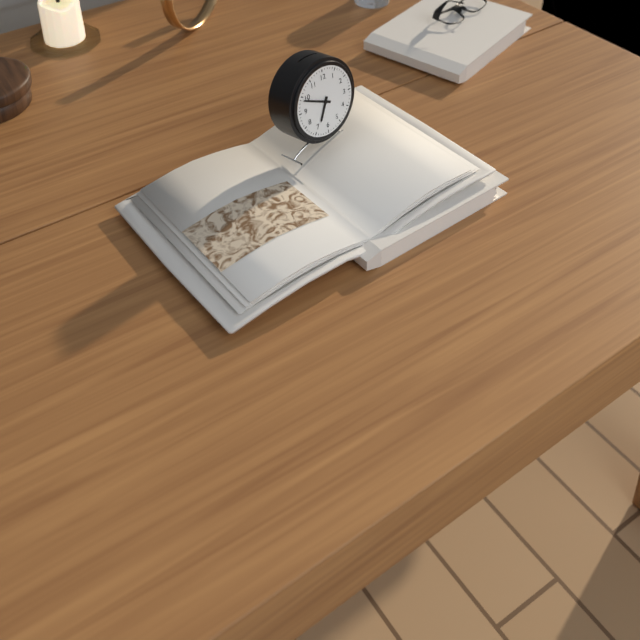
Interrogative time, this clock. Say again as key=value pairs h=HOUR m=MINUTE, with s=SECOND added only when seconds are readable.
h=6 m=49
